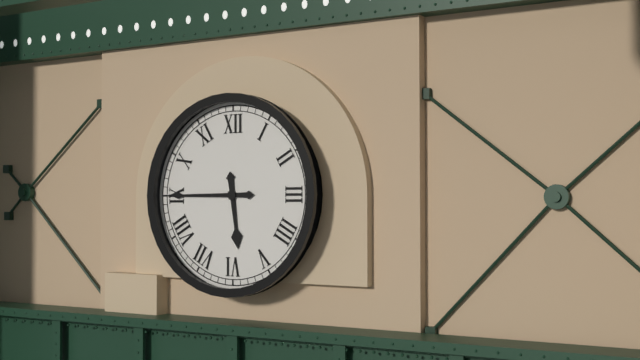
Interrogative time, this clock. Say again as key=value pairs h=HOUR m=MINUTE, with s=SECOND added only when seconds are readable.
h=5 m=45
